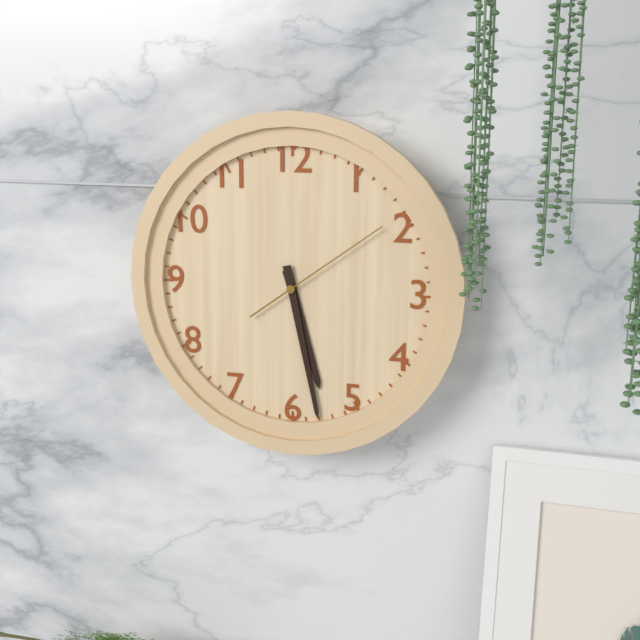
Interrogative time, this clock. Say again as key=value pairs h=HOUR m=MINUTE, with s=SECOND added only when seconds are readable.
h=5 m=28 s=9
